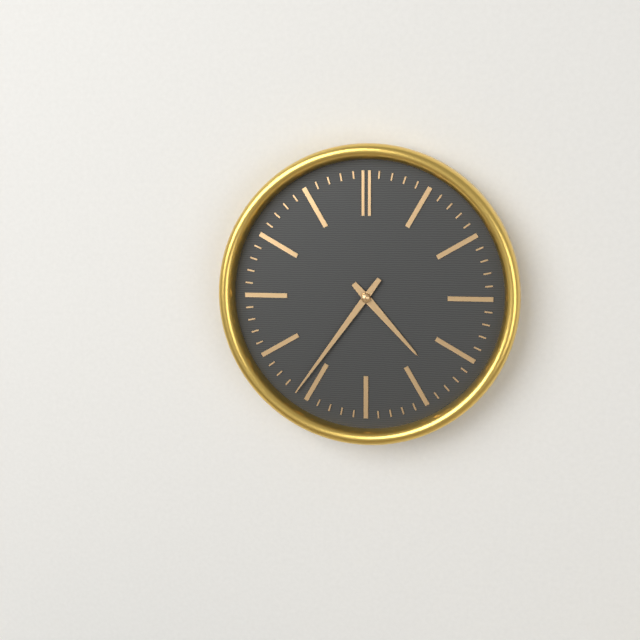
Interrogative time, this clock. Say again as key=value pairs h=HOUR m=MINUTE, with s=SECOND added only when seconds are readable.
h=4 m=36
